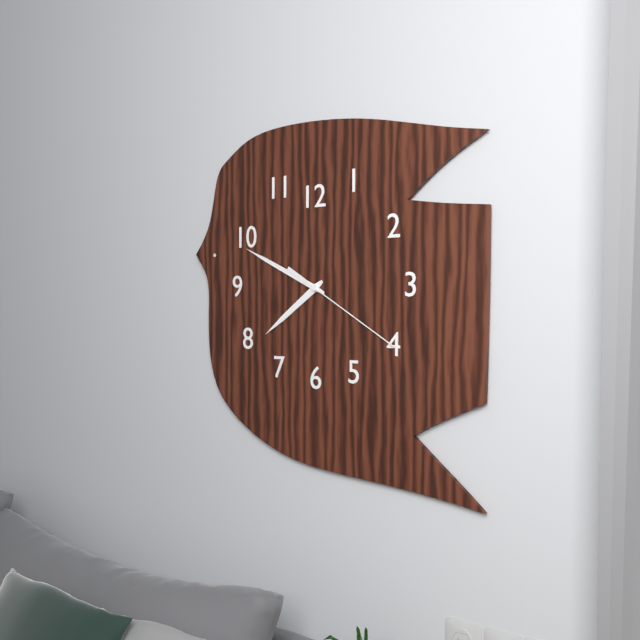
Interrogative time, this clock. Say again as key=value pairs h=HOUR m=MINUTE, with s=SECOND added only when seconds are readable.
h=7 m=49 s=20
